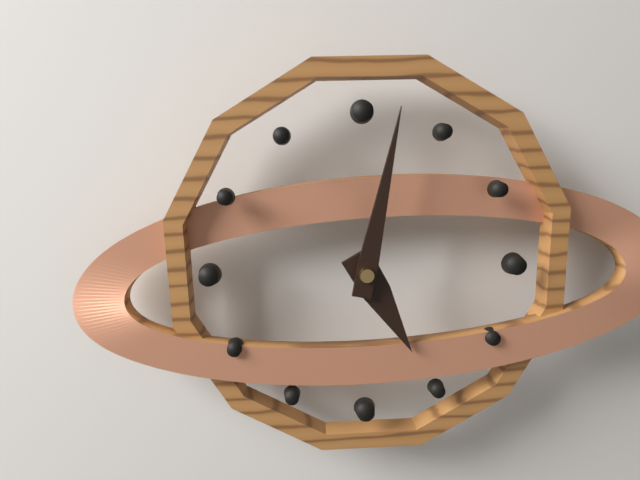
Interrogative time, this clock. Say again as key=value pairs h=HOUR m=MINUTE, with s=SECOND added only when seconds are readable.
h=5 m=2
